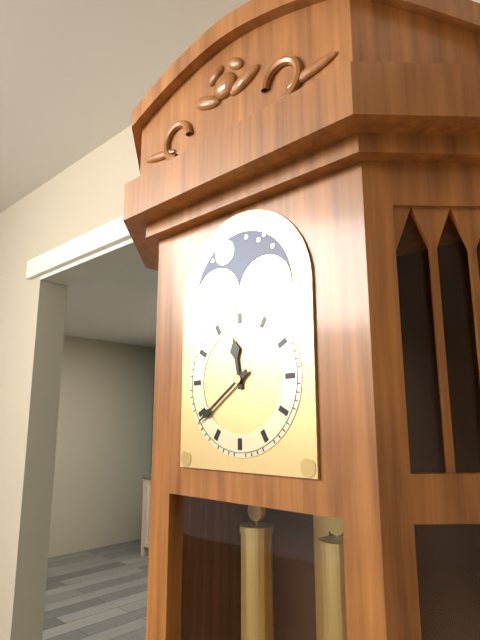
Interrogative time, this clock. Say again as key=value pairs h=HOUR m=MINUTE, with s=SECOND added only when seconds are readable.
h=11 m=39
